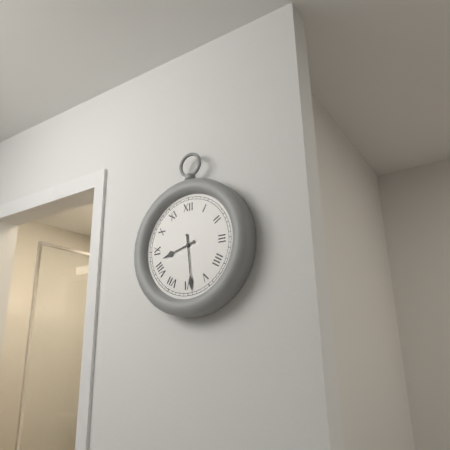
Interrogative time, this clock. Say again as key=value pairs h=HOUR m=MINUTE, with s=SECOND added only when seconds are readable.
h=8 m=29
